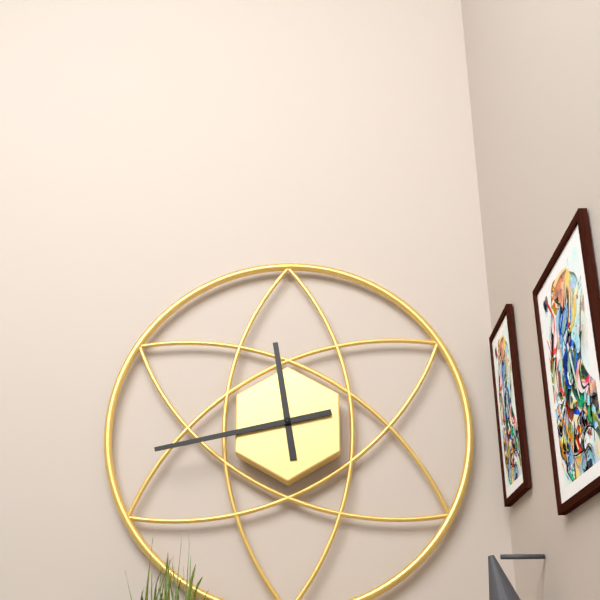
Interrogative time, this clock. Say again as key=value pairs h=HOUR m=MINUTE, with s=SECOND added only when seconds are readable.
h=11 m=43
